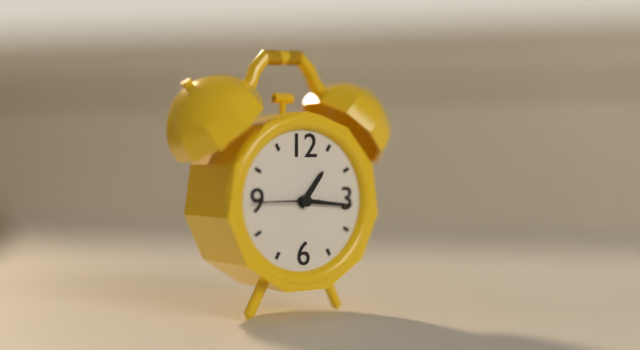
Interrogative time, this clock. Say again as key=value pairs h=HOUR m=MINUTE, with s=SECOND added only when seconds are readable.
h=1 m=16 s=45
